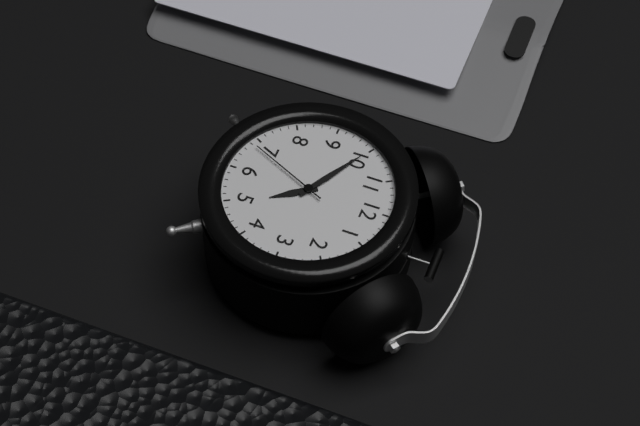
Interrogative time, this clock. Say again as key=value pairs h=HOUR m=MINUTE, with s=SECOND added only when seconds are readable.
h=4 m=50 s=34
